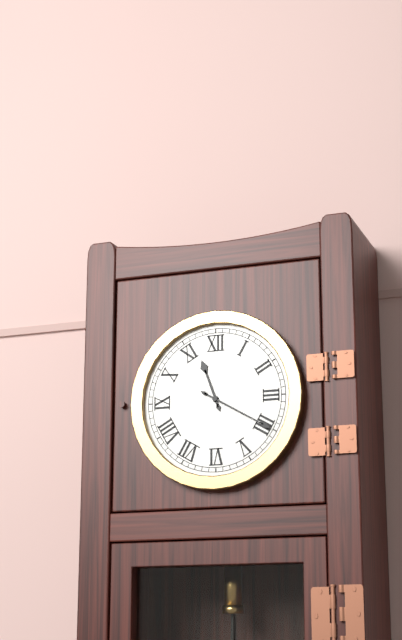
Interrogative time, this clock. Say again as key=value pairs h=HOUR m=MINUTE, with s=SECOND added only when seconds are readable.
h=11 m=20
